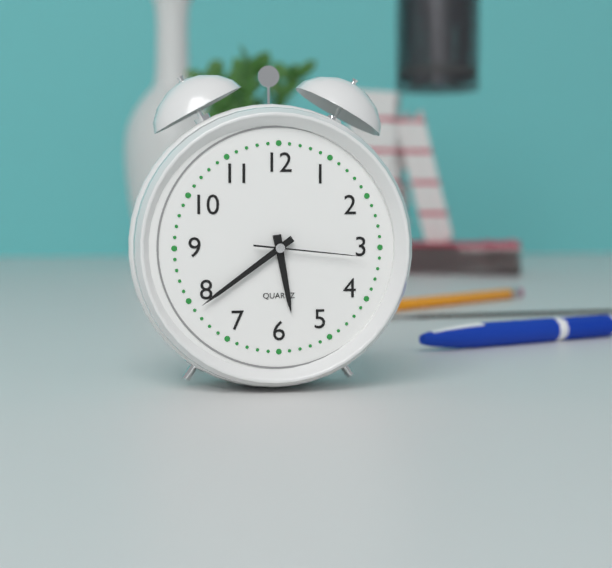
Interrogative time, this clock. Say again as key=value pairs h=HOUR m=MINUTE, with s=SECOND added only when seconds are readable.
h=5 m=39 s=16
